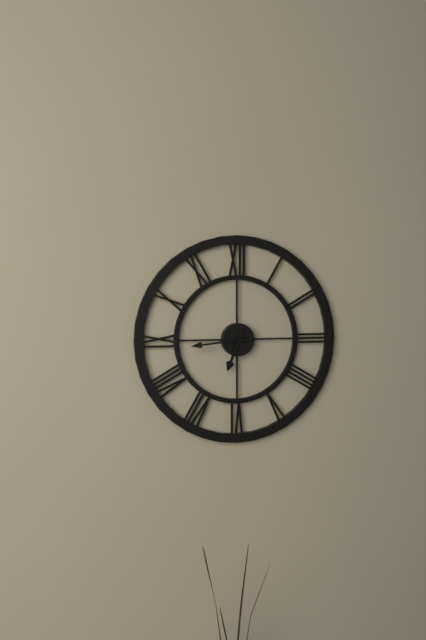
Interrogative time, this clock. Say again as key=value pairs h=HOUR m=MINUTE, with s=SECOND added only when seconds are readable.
h=6 m=44
